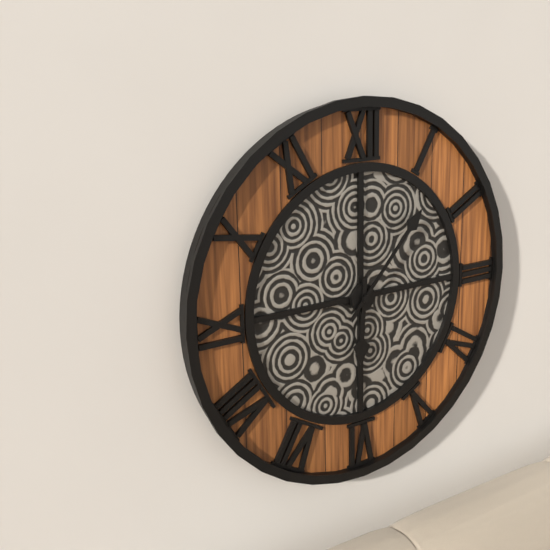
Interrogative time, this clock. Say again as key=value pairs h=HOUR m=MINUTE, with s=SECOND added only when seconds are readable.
h=6 m=7
